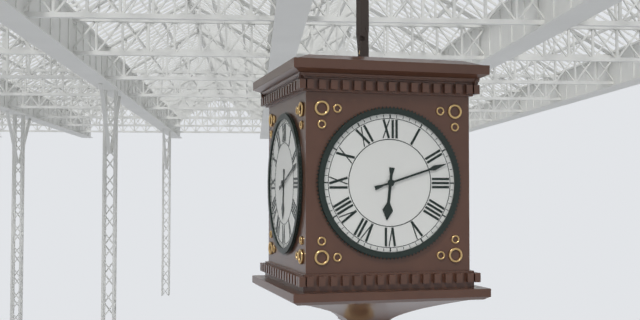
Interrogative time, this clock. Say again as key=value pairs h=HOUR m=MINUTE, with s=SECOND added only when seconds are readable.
h=6 m=12
